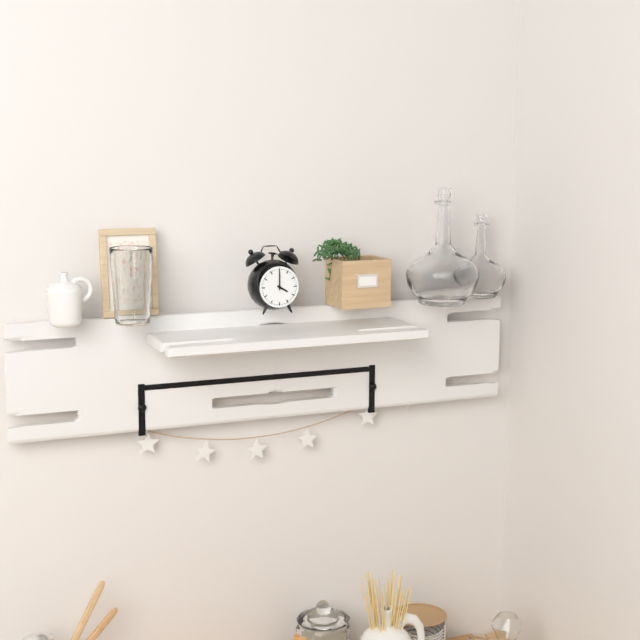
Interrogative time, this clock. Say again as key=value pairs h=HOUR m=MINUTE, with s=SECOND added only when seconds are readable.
h=4 m=0
